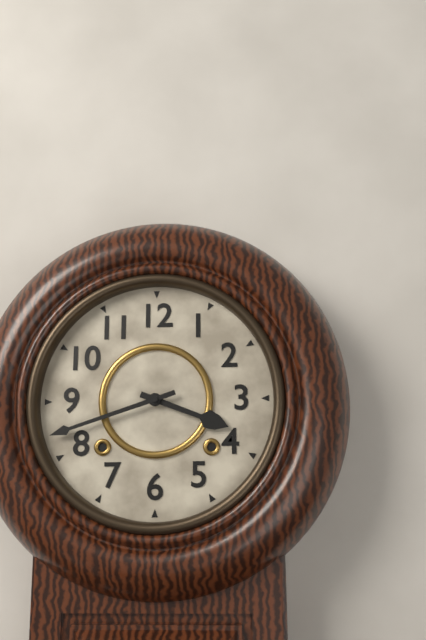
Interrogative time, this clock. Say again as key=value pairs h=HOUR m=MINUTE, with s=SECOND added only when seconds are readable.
h=3 m=42
